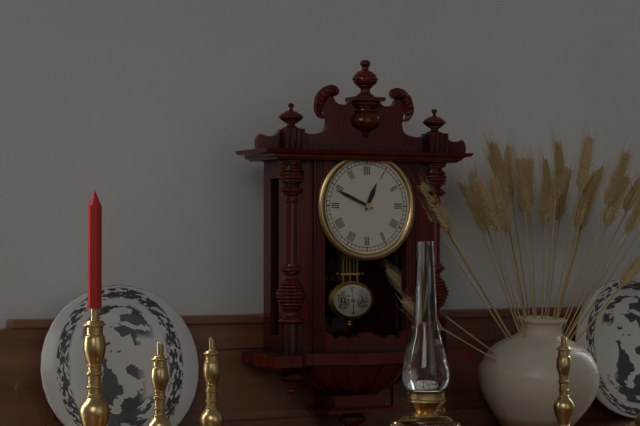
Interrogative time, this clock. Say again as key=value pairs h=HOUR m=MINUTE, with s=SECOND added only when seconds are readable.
h=12 m=49
